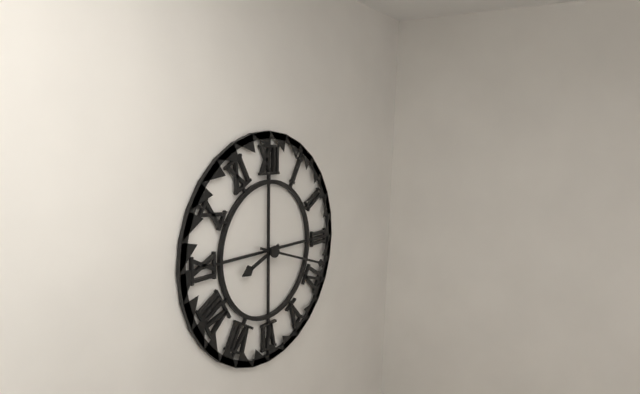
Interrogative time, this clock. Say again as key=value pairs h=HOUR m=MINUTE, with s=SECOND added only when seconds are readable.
h=8 m=18
